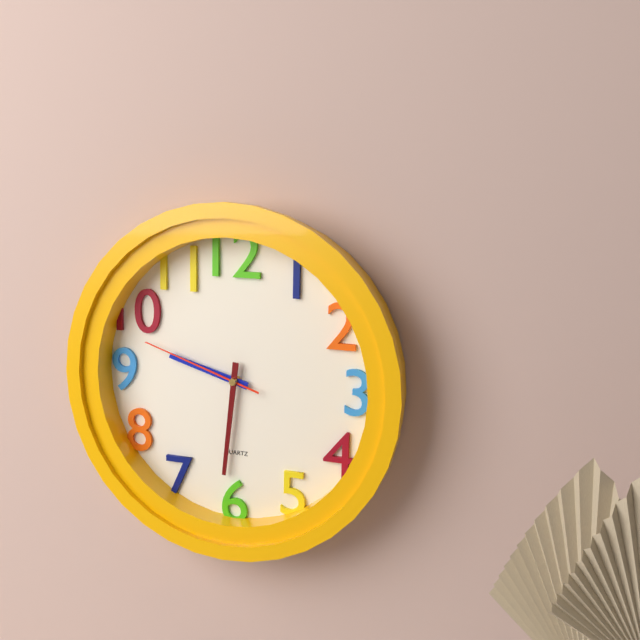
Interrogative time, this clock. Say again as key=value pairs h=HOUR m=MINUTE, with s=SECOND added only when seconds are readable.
h=9 m=31 s=48
